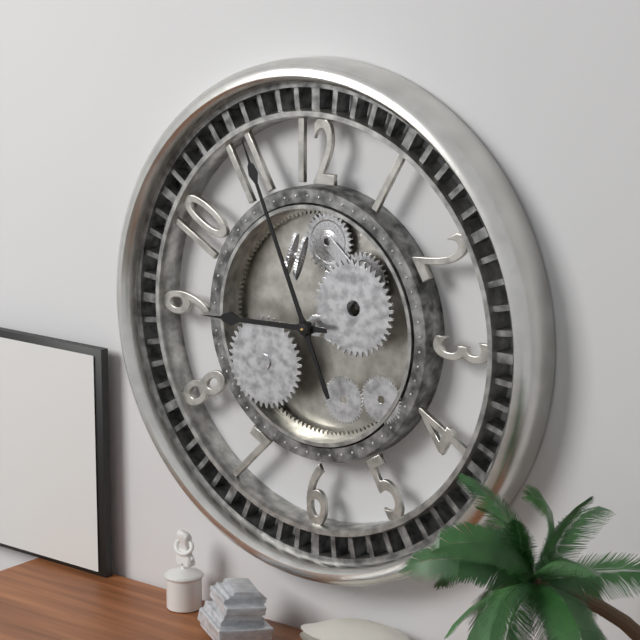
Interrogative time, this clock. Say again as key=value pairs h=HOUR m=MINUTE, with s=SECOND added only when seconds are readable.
h=8 m=56
